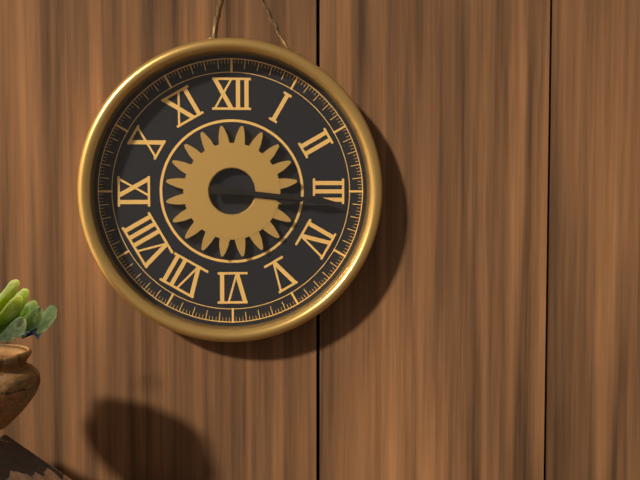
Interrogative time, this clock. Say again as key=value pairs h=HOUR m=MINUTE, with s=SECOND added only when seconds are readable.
h=3 m=16
